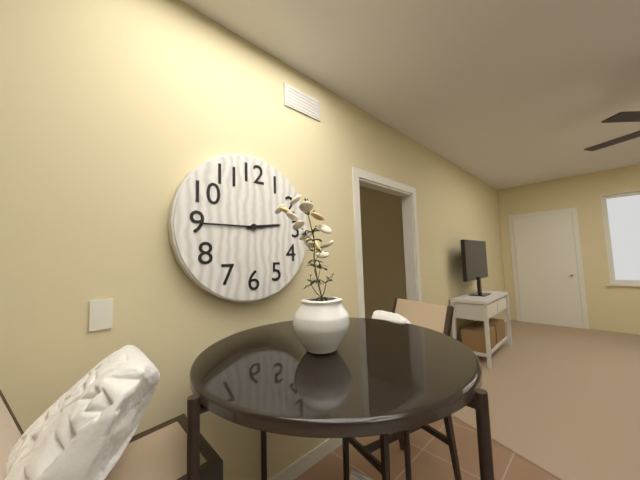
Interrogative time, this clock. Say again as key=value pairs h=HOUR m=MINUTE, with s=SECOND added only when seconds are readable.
h=2 m=45
